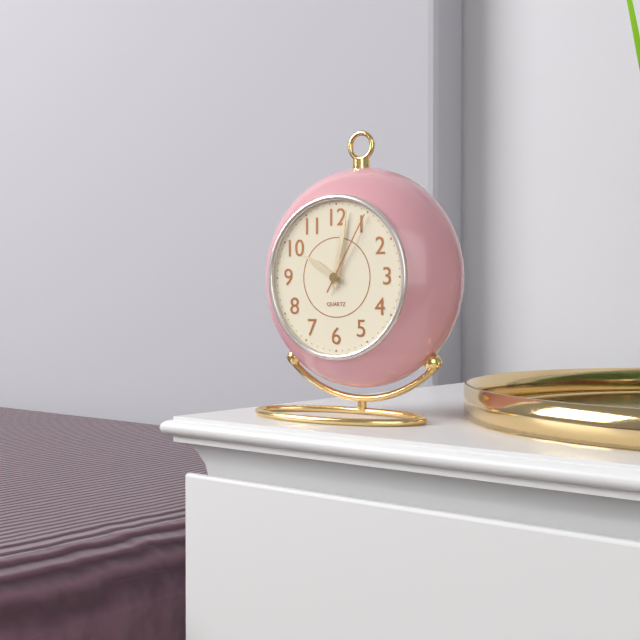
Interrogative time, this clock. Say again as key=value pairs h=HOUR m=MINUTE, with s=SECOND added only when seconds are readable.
h=10 m=2 s=5
